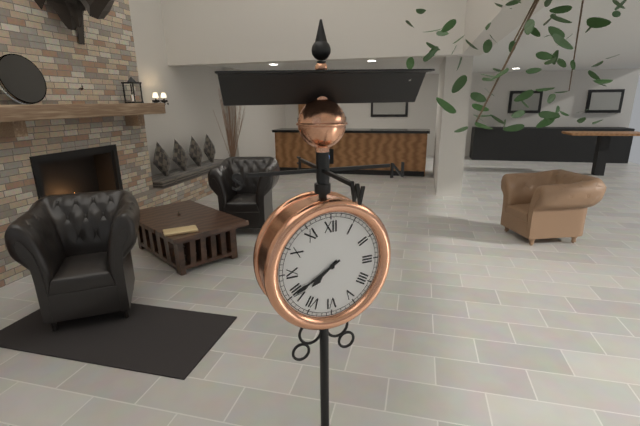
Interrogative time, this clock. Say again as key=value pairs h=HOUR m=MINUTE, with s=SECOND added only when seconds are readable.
h=7 m=40
